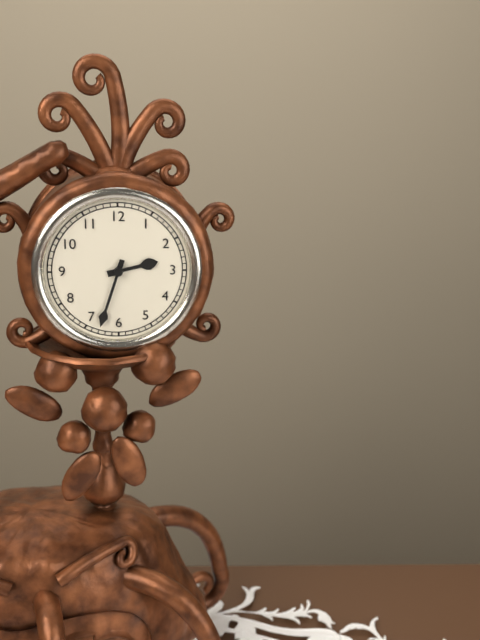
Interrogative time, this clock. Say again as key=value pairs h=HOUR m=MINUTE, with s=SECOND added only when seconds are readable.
h=2 m=33
